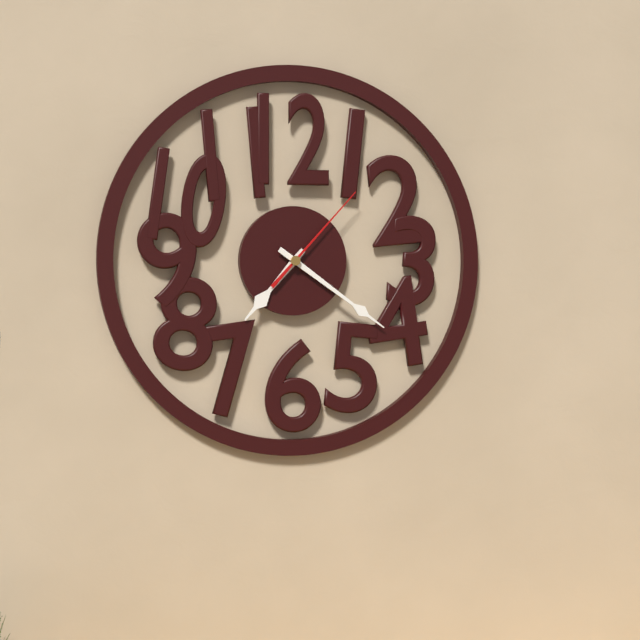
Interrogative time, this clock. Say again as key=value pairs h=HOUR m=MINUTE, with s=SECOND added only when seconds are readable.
h=7 m=21 s=7
